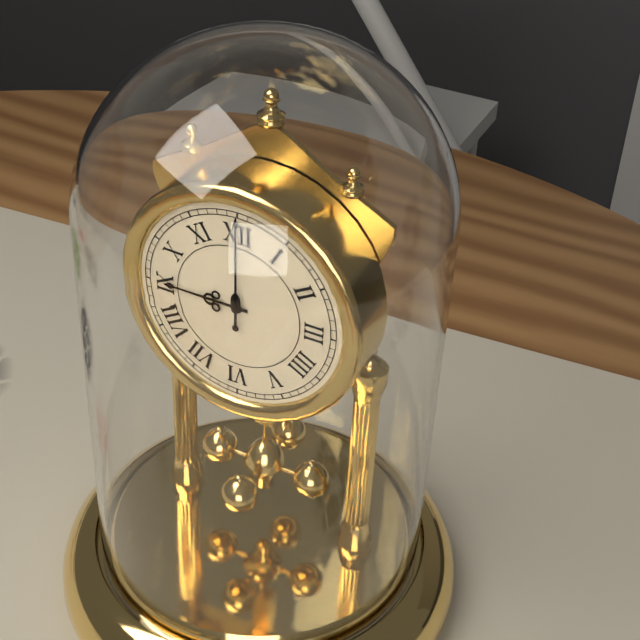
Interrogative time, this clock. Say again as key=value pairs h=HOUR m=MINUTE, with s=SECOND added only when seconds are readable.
h=9 m=0
